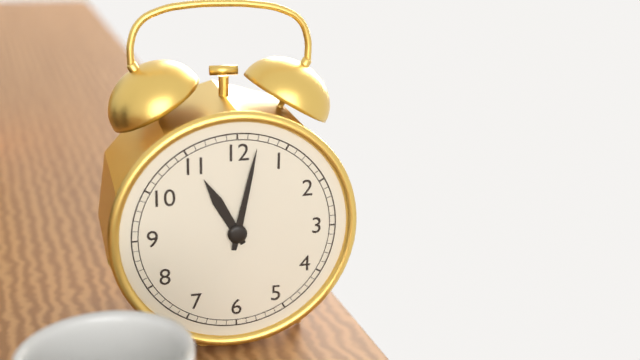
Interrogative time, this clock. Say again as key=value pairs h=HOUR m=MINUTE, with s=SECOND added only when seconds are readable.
h=11 m=2
